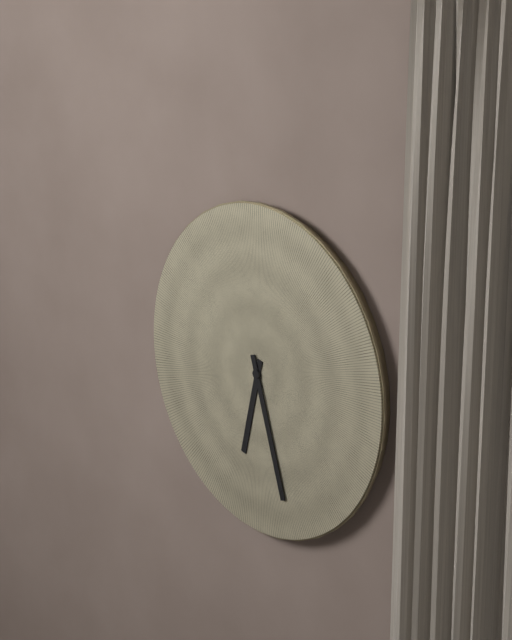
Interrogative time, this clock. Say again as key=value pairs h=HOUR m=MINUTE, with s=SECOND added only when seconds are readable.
h=6 m=27
